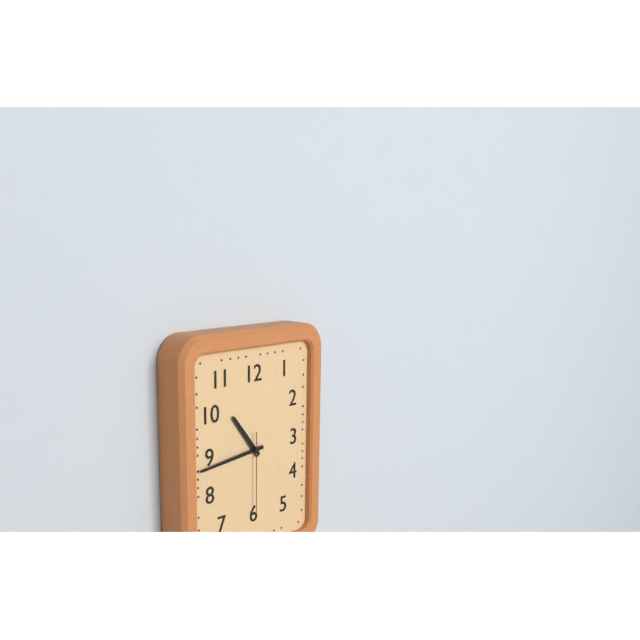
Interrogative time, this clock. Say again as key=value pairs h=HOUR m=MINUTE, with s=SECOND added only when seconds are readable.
h=10 m=44 s=30
